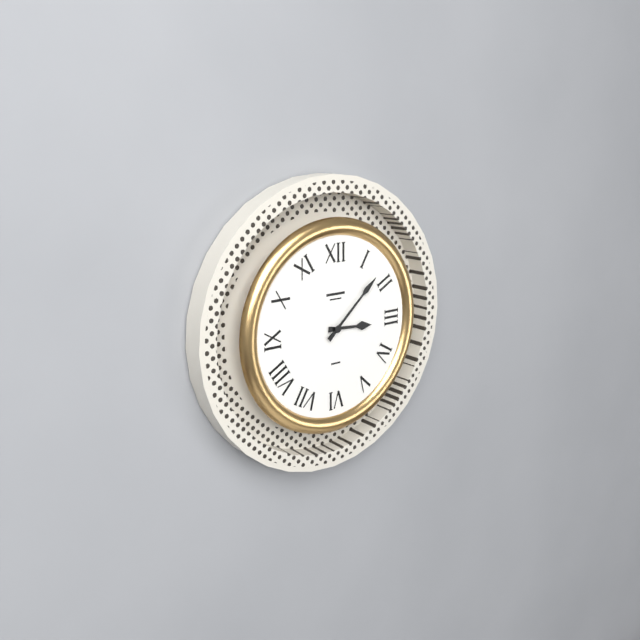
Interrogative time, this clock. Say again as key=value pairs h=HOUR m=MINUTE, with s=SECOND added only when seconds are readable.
h=3 m=8
